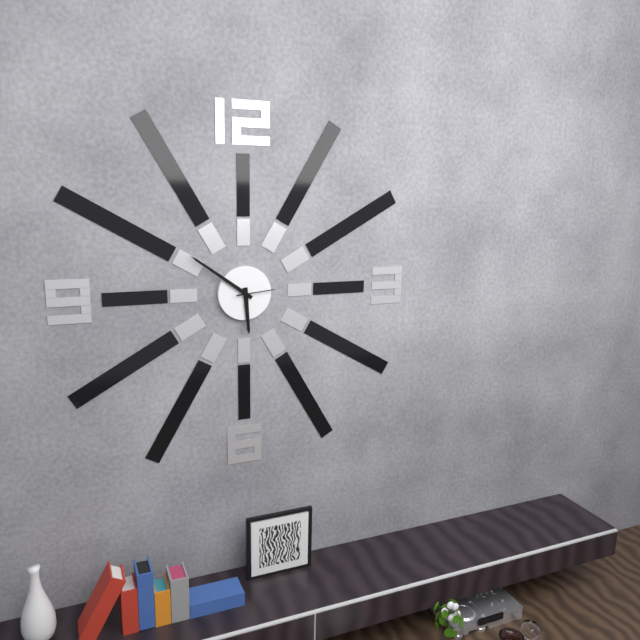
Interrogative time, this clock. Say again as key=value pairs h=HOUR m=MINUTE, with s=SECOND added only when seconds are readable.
h=5 m=51
